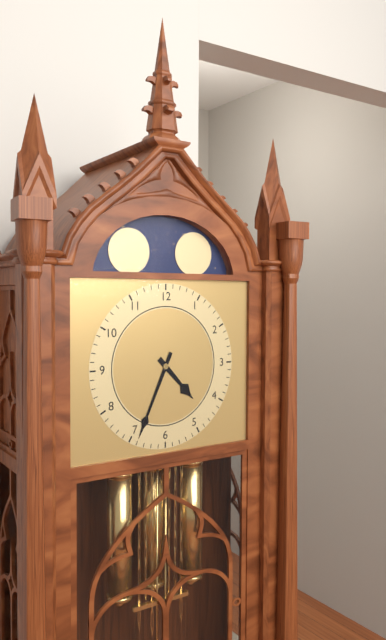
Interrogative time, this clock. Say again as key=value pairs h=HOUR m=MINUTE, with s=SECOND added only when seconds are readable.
h=4 m=34
